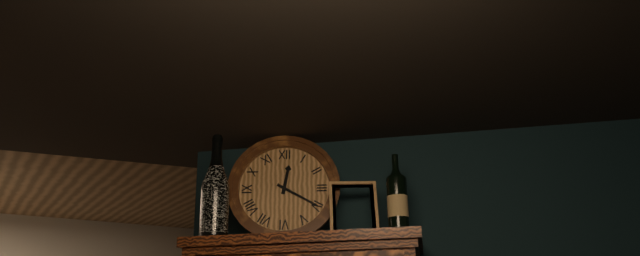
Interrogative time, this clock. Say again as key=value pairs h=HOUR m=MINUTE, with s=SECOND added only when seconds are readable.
h=12 m=20
